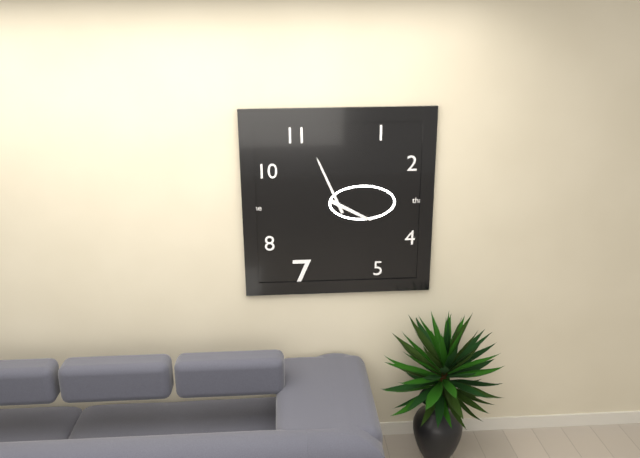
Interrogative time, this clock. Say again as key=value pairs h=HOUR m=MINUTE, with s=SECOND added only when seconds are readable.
h=3 m=56
